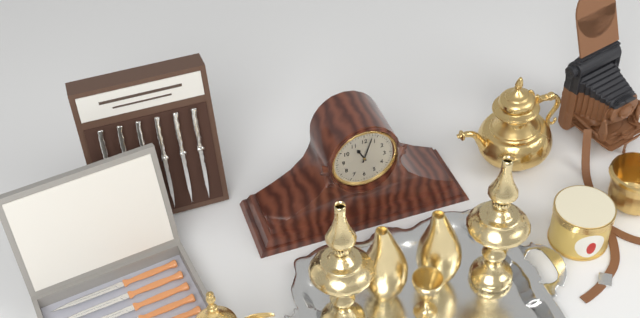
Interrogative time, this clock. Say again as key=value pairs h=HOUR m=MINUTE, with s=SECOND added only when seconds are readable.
h=11 m=3
